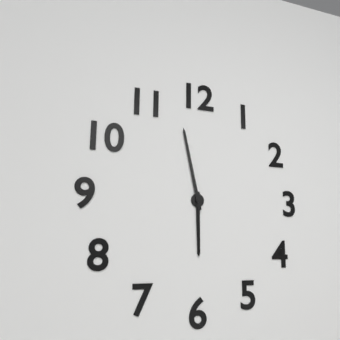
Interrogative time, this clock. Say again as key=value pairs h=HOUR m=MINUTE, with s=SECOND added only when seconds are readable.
h=5 m=58
